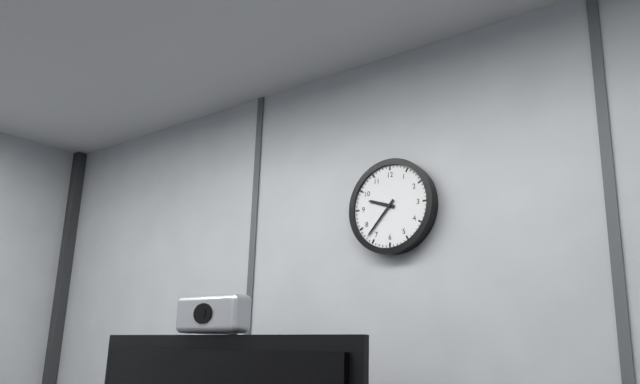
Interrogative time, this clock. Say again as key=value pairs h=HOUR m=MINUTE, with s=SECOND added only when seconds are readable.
h=9 m=37
